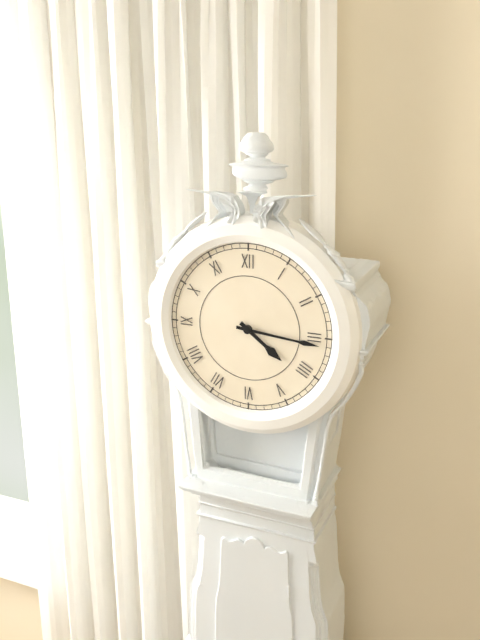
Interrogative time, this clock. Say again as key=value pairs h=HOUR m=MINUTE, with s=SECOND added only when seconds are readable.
h=4 m=16
